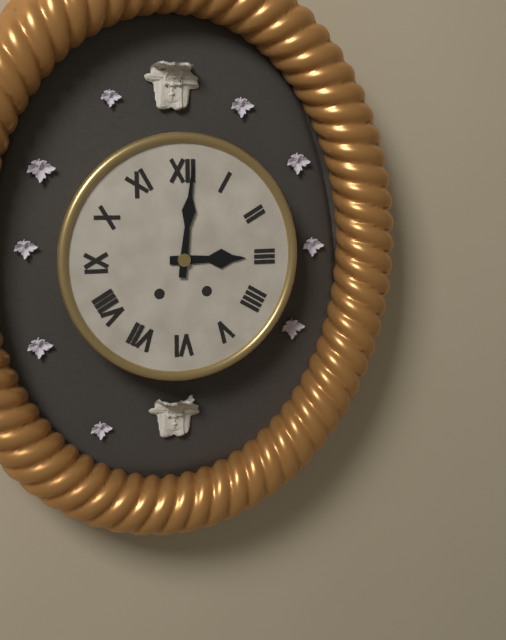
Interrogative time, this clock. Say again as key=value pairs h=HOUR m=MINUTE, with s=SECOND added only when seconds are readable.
h=3 m=1
